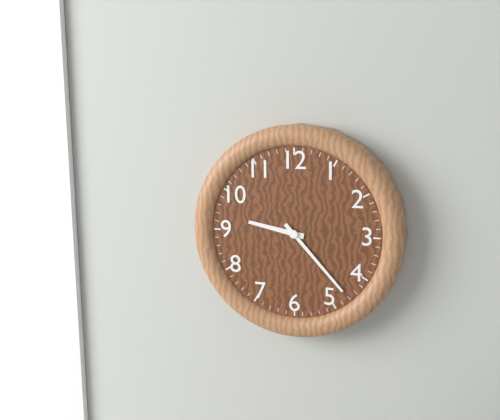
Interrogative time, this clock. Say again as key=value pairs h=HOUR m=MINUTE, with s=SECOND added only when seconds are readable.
h=9 m=23
